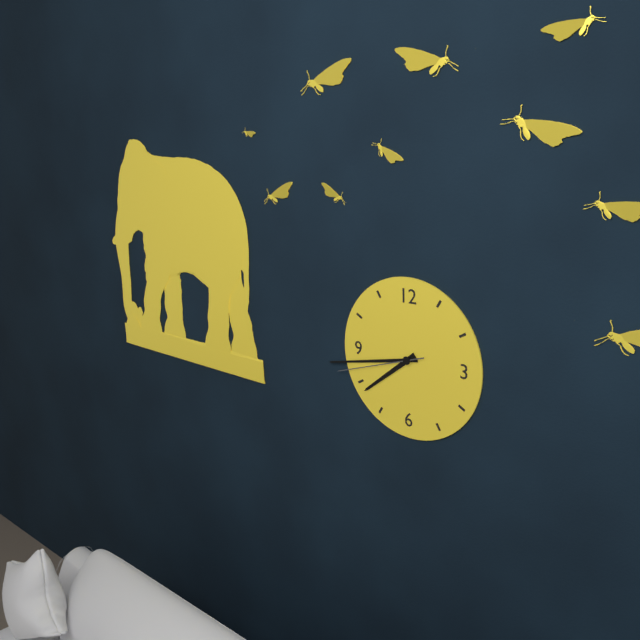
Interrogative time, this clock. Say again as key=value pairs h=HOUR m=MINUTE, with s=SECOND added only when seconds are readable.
h=7 m=43 s=42
